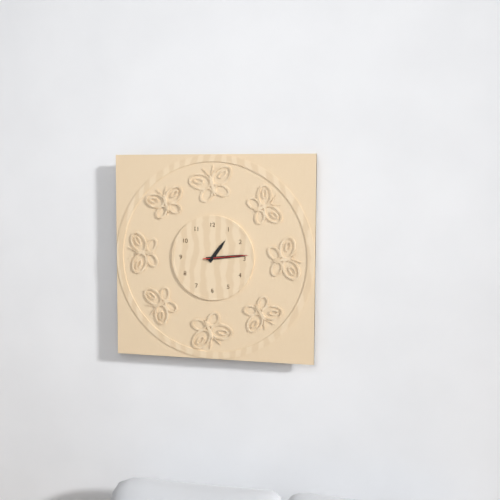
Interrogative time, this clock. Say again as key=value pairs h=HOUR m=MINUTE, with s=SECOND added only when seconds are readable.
h=1 m=14
